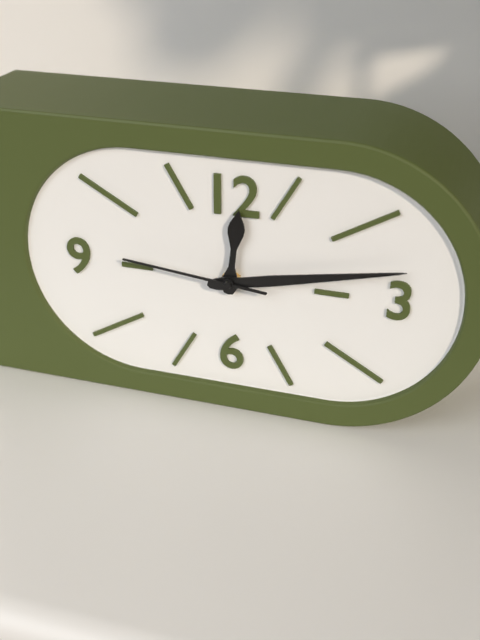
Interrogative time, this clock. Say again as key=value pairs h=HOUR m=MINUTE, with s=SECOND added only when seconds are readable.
h=12 m=13 s=46
